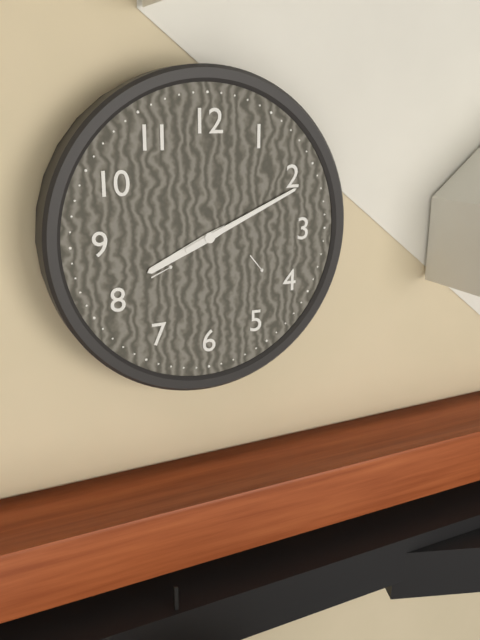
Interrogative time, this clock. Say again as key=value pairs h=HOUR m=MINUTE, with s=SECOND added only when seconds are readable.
h=8 m=11
